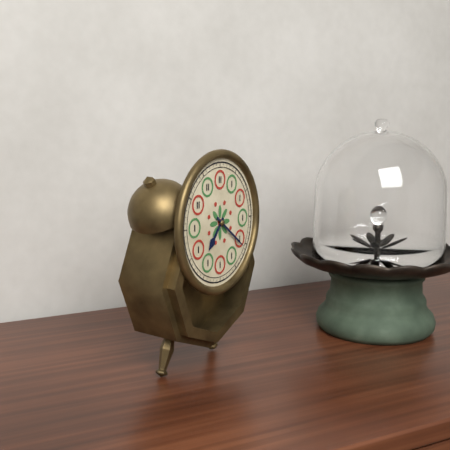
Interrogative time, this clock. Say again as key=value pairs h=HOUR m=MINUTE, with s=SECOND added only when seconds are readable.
h=7 m=21
